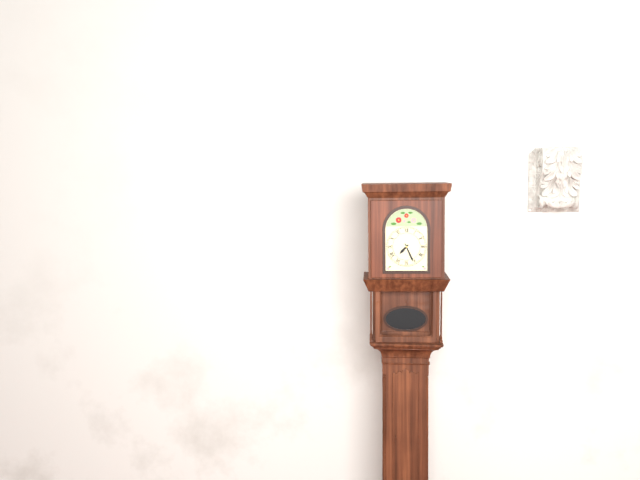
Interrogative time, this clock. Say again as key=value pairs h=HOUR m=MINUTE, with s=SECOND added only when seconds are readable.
h=7 m=26
